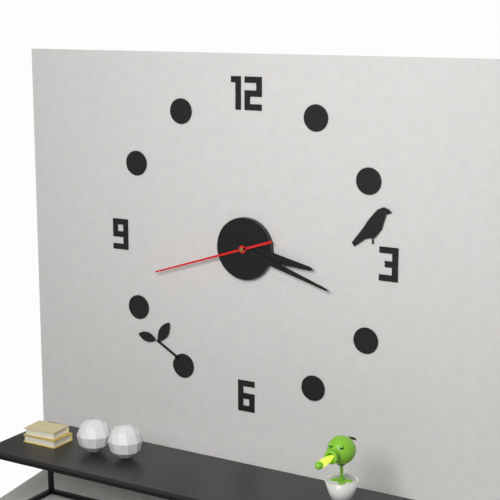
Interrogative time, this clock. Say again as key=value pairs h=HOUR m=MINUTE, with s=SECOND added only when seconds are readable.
h=3 m=18 s=42
